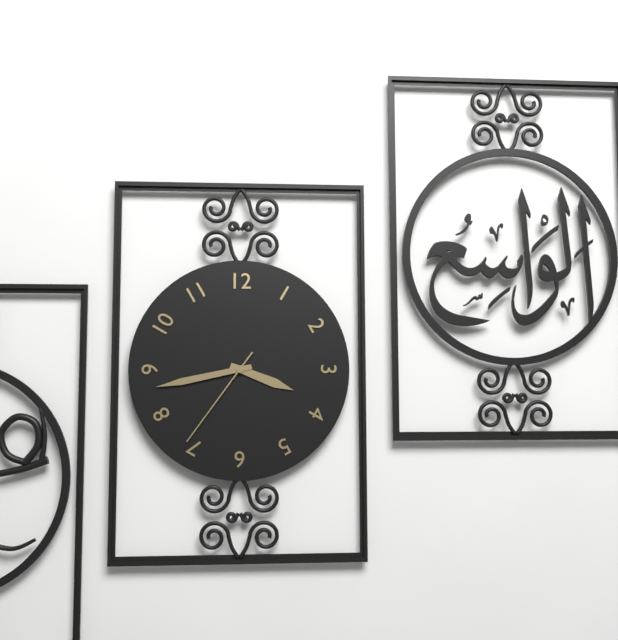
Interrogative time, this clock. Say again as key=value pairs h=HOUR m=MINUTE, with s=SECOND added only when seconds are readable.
h=3 m=43 s=36
